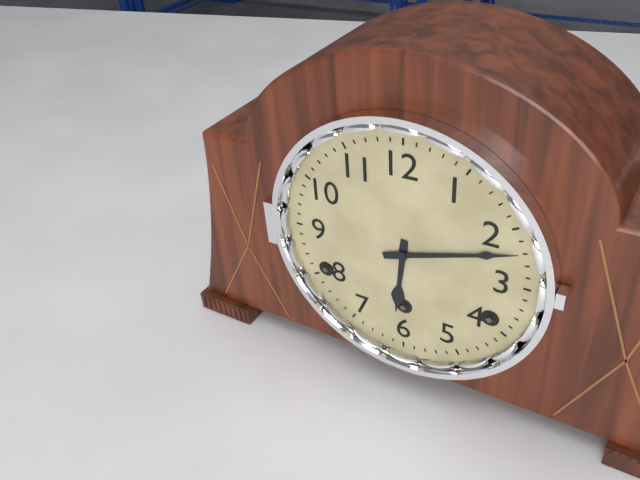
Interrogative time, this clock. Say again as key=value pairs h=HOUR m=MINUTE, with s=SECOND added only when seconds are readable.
h=6 m=12
